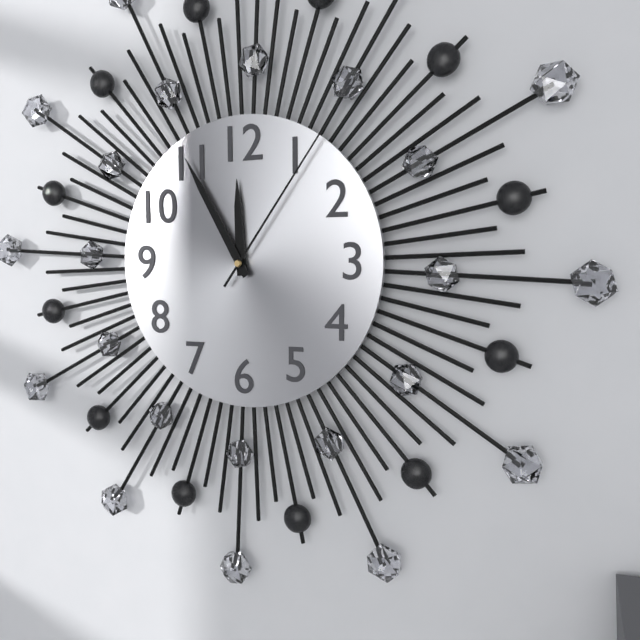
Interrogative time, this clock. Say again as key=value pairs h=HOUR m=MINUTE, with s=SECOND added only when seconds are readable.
h=11 m=55 s=6
